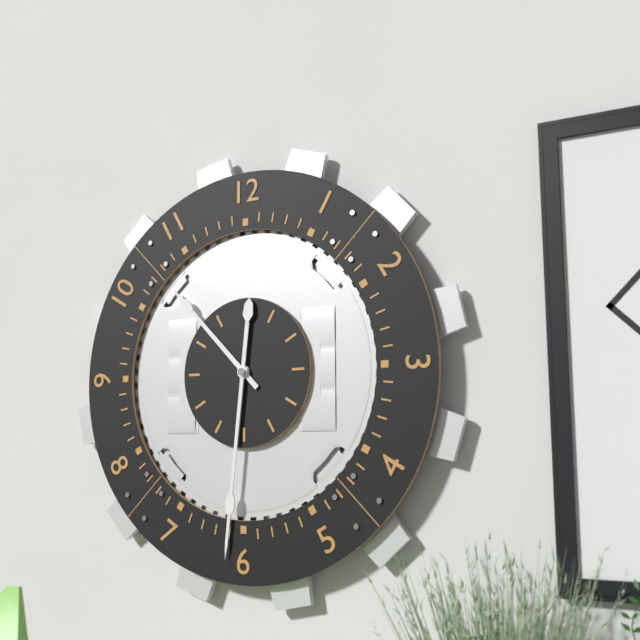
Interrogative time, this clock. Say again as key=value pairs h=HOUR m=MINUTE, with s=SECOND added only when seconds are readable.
h=10 m=31
